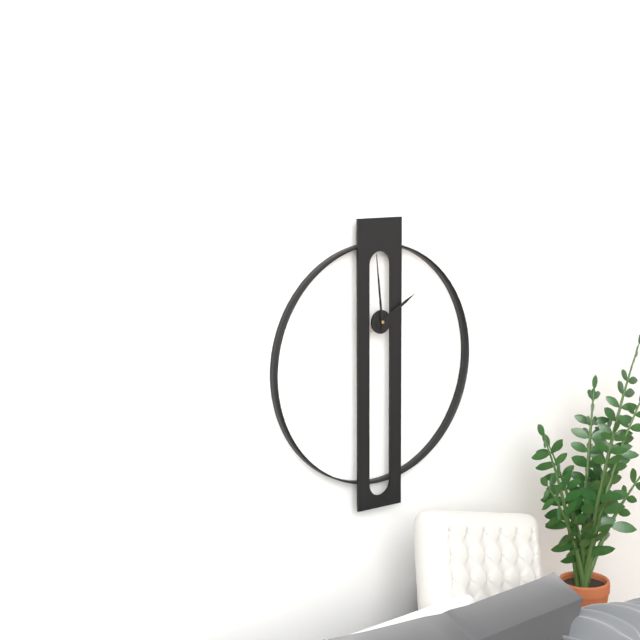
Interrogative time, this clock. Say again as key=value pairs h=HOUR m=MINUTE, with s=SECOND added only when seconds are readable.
h=1 m=59
